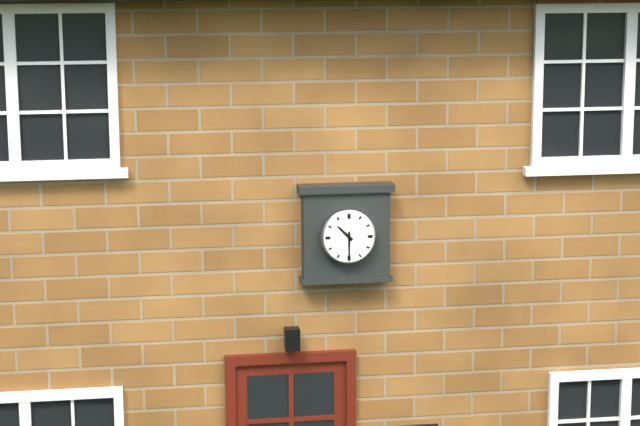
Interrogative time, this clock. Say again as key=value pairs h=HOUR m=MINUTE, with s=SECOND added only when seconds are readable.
h=10 m=30
